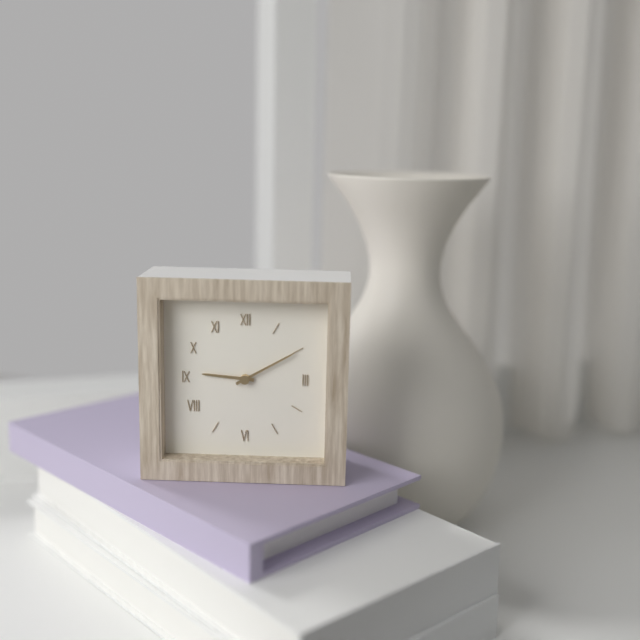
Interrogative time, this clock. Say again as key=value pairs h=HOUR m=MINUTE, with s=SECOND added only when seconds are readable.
h=9 m=10
